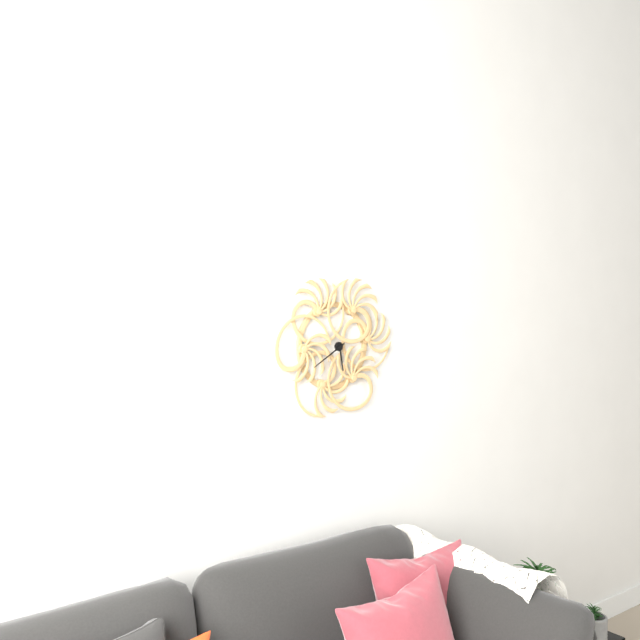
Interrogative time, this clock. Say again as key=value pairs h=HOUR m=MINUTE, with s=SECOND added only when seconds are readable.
h=5 m=40
